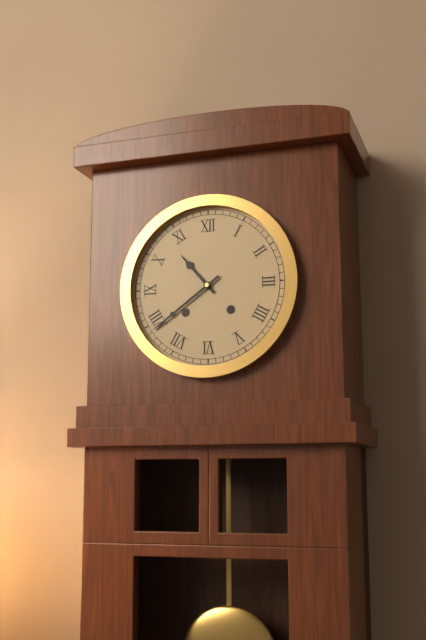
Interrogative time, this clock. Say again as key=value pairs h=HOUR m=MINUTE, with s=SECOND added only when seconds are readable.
h=10 m=39
